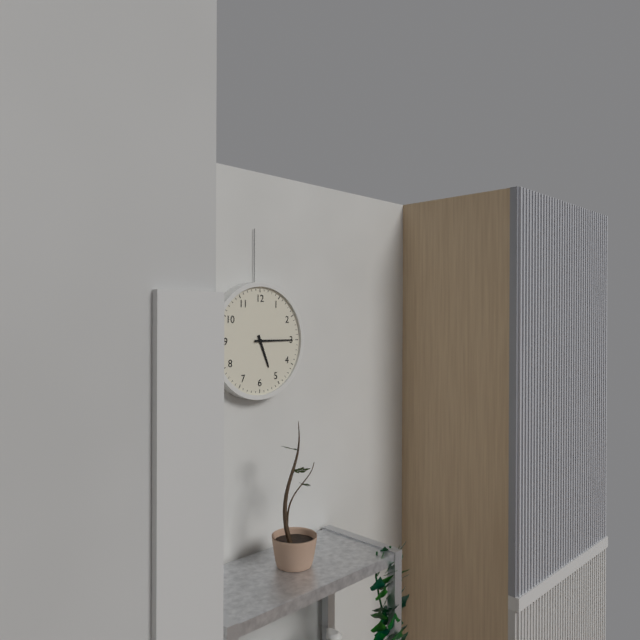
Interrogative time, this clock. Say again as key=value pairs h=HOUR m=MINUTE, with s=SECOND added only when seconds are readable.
h=5 m=15
